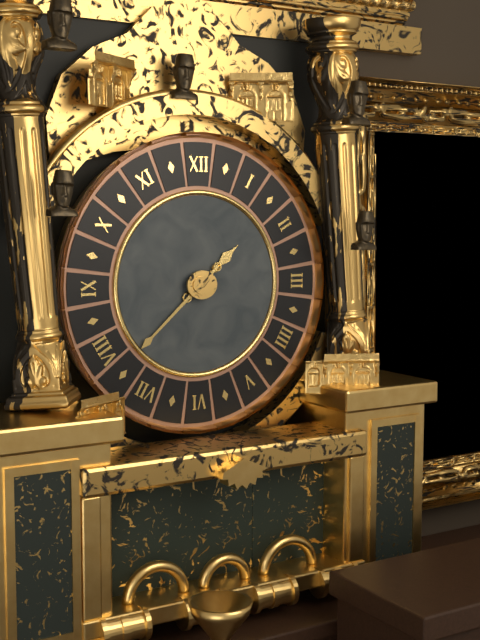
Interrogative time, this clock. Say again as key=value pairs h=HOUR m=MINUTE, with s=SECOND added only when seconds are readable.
h=1 m=38
